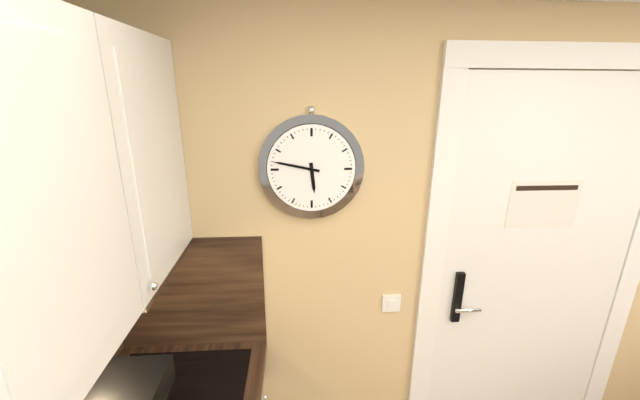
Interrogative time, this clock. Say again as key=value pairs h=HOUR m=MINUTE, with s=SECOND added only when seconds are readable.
h=5 m=47
